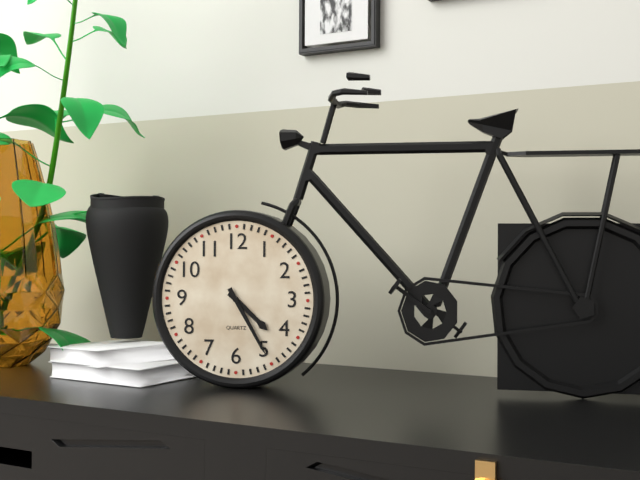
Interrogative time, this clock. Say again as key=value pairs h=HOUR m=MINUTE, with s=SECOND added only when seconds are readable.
h=4 m=25
